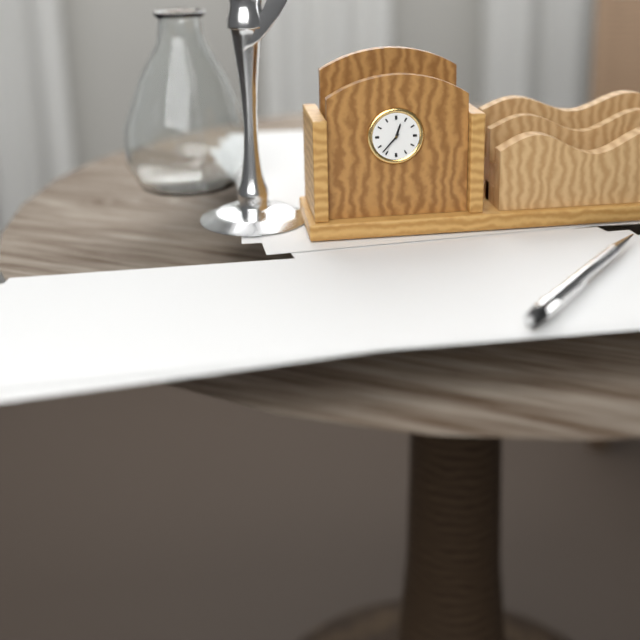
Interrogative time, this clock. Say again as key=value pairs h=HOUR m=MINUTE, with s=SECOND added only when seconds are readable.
h=12 m=37
